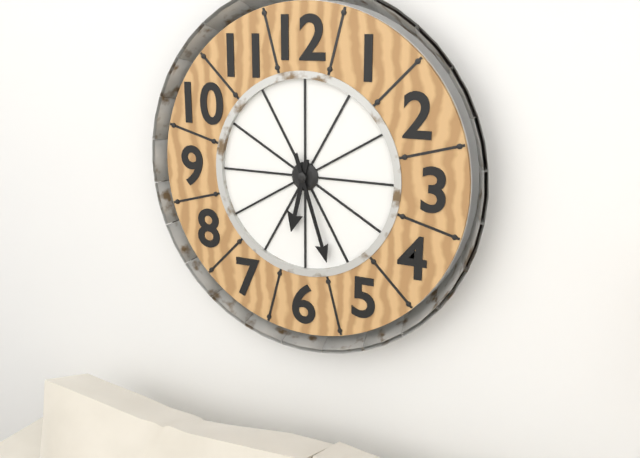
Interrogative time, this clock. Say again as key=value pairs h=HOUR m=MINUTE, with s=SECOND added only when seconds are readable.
h=6 m=27
